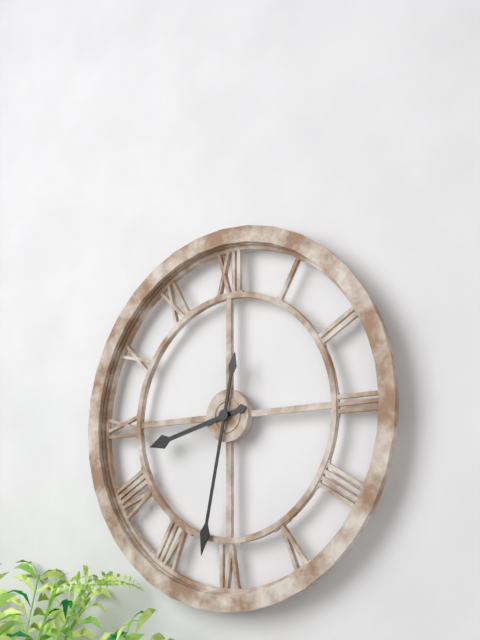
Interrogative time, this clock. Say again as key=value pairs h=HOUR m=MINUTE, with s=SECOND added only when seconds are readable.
h=8 m=32
